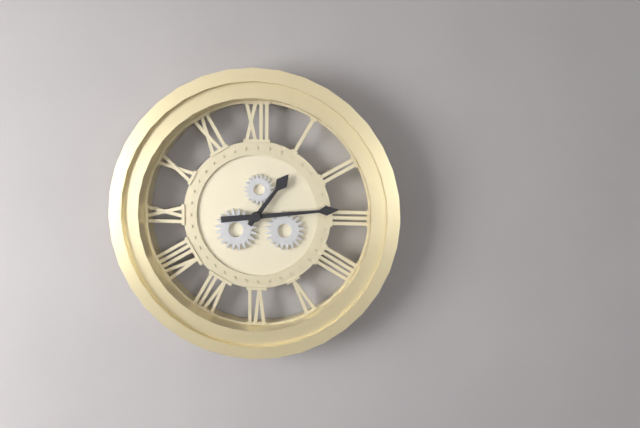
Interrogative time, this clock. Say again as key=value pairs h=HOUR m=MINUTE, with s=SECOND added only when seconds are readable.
h=1 m=14
